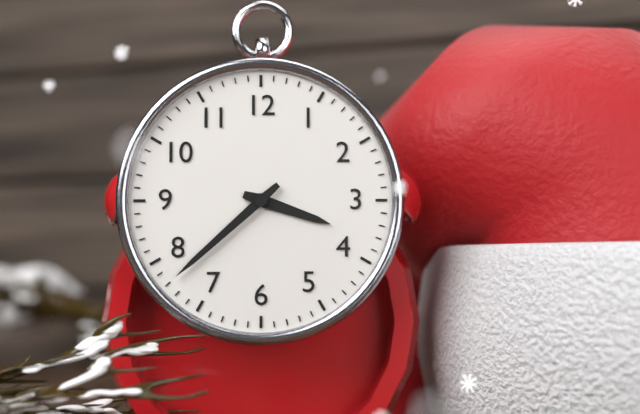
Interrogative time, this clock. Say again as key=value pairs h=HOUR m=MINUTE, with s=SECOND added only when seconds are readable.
h=3 m=38
